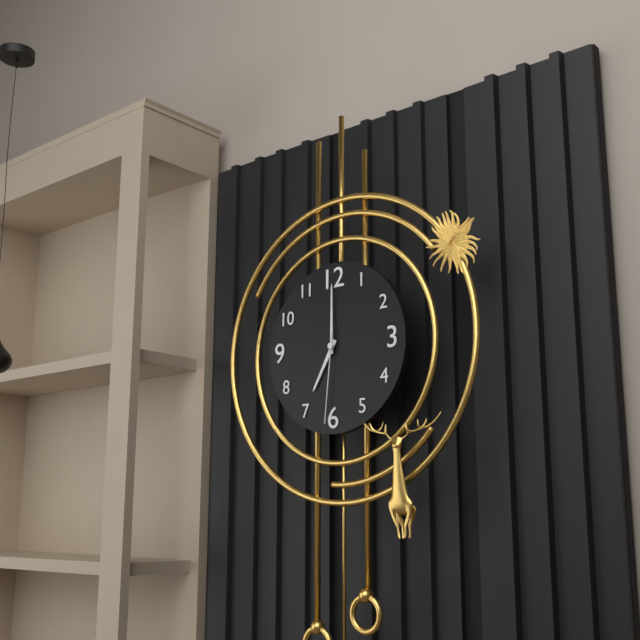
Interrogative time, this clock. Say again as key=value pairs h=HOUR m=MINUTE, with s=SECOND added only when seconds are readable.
h=7 m=0 s=31
